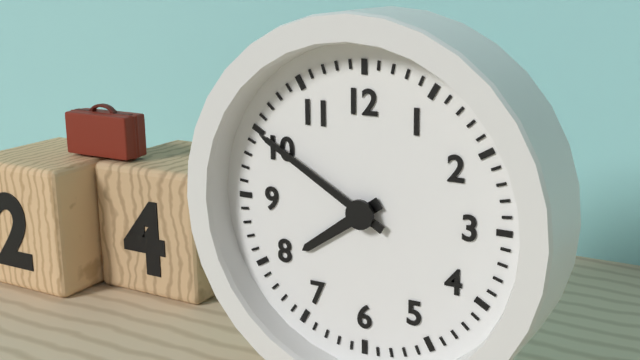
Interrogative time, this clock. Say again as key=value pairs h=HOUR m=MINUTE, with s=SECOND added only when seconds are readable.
h=7 m=50
